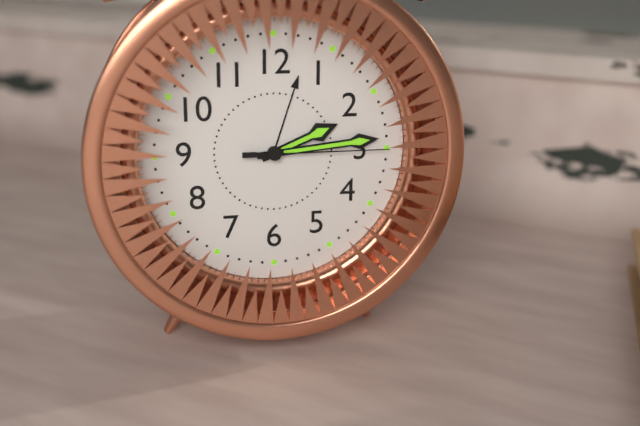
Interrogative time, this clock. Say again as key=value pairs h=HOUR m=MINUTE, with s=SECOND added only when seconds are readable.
h=2 m=14 s=15
